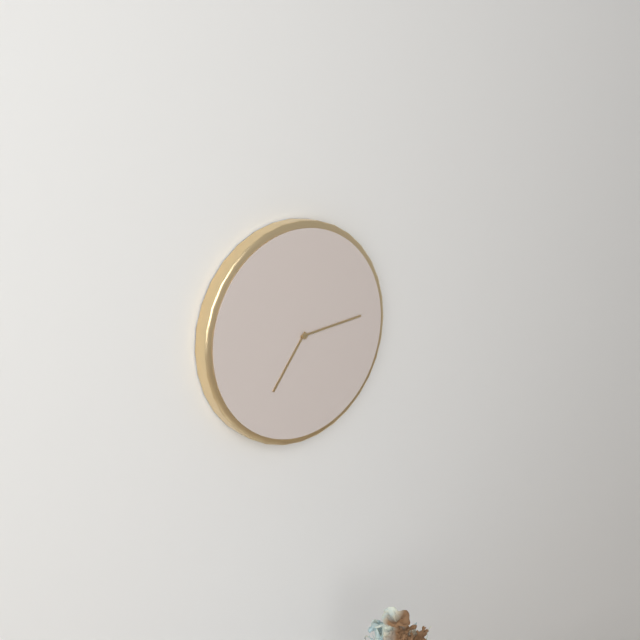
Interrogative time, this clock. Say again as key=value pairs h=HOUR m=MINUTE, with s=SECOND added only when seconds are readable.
h=7 m=14
